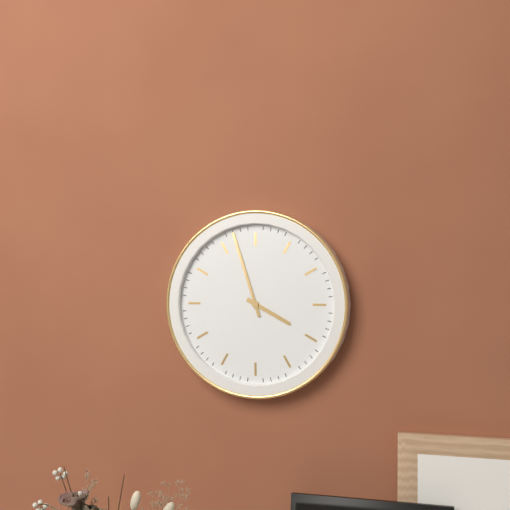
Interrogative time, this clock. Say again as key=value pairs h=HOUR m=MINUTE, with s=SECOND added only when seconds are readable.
h=3 m=57
